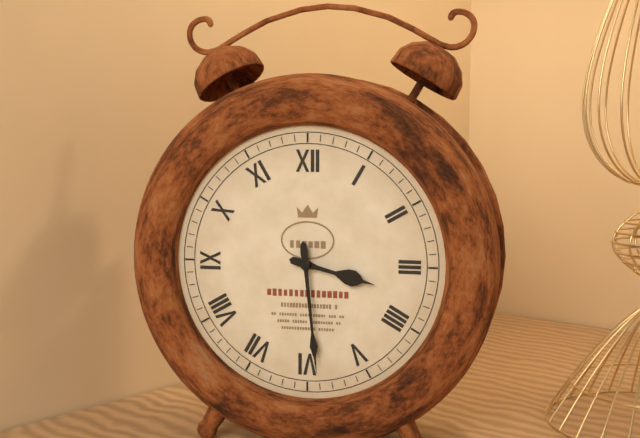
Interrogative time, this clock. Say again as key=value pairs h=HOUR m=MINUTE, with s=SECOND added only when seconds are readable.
h=3 m=29
